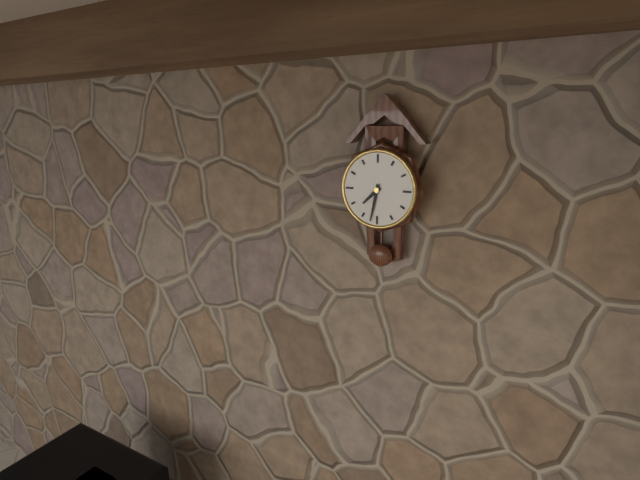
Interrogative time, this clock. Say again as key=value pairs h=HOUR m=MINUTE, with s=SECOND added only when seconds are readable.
h=7 m=32
